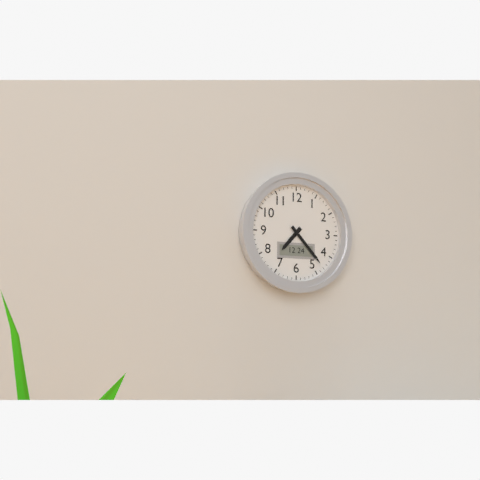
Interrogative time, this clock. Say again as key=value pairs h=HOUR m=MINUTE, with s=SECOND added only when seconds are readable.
h=7 m=23
